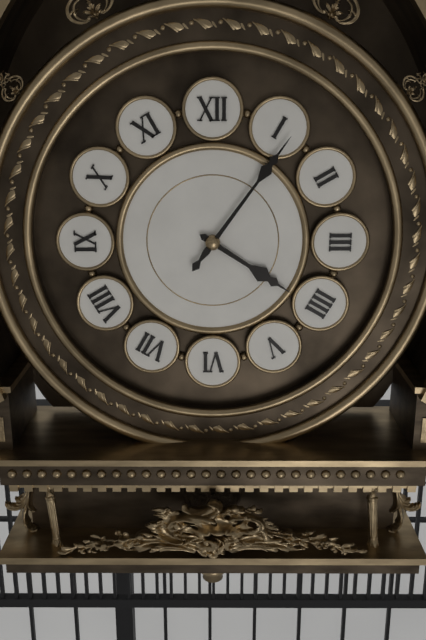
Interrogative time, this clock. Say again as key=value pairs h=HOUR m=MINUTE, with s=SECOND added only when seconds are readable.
h=4 m=6
